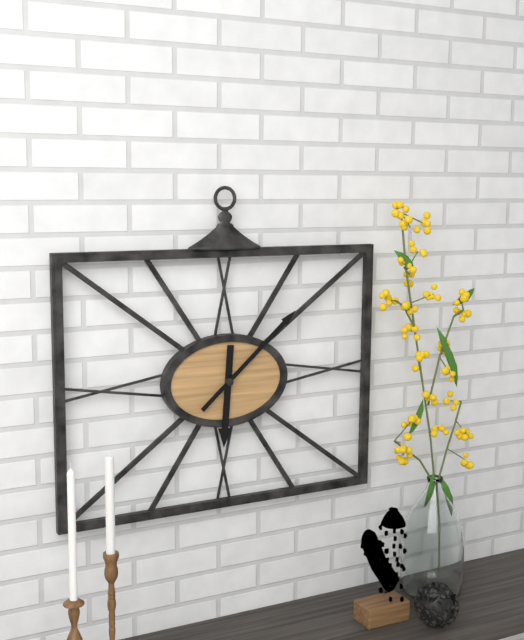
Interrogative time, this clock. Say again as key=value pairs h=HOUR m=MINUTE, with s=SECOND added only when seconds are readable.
h=6 m=8
